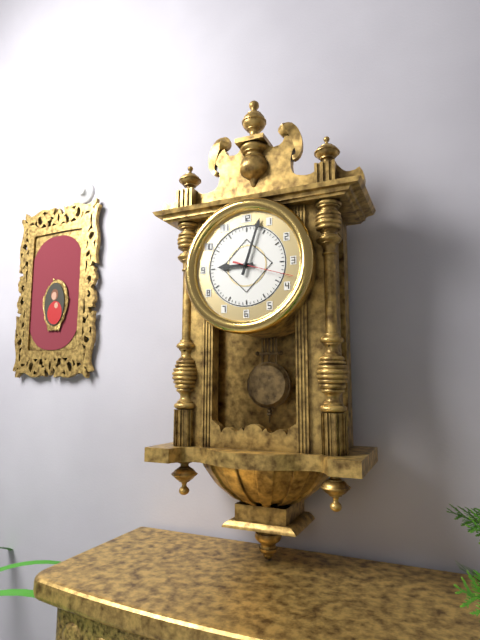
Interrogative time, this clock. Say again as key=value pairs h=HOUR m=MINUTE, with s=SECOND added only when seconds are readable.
h=9 m=3 s=18
